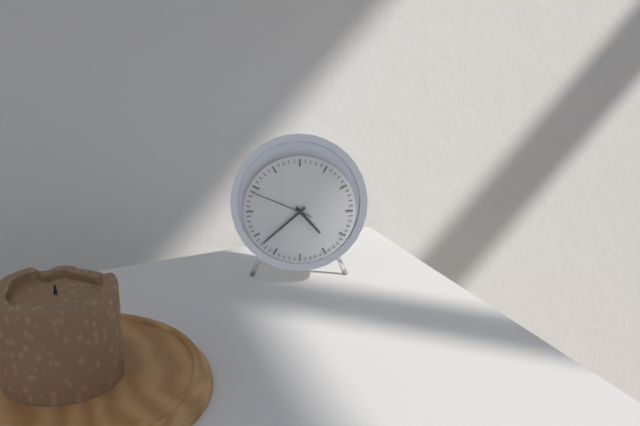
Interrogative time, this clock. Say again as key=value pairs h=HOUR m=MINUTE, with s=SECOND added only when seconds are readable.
h=4 m=38 s=49
